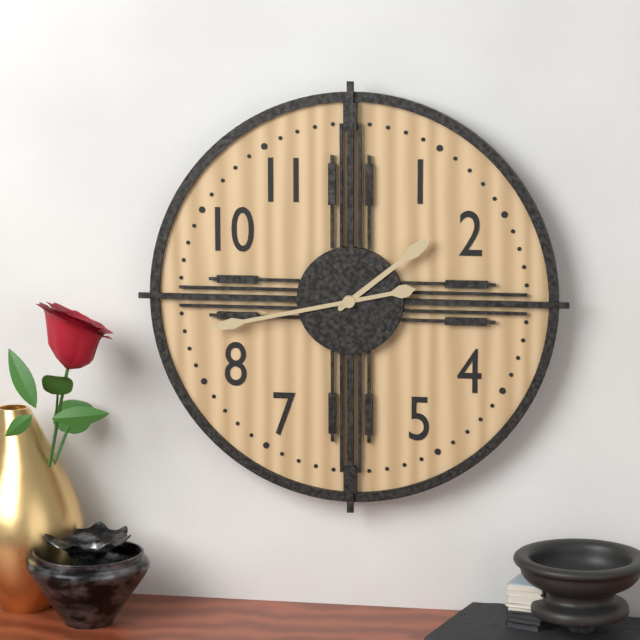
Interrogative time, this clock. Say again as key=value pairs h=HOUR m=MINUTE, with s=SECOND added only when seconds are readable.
h=1 m=43
